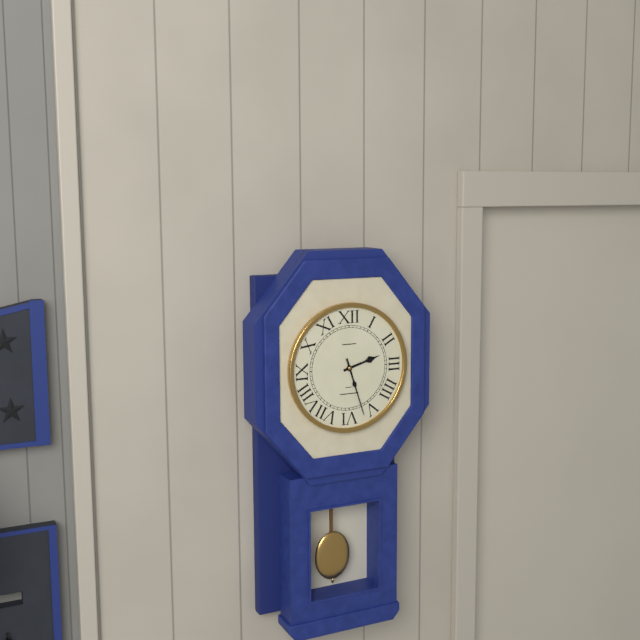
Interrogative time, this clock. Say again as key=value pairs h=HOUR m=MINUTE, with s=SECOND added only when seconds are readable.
h=2 m=27
